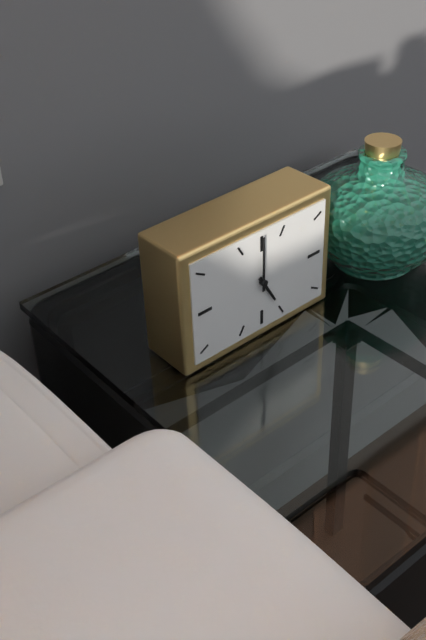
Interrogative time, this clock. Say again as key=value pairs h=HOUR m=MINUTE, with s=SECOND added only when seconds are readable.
h=5 m=0
